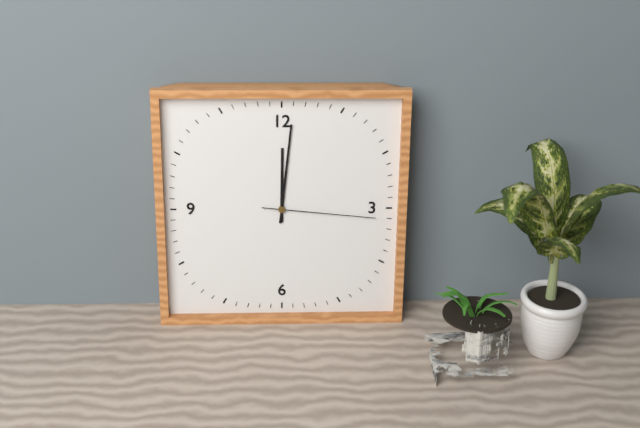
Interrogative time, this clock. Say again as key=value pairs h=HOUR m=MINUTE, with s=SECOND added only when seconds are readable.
h=12 m=1 s=16
